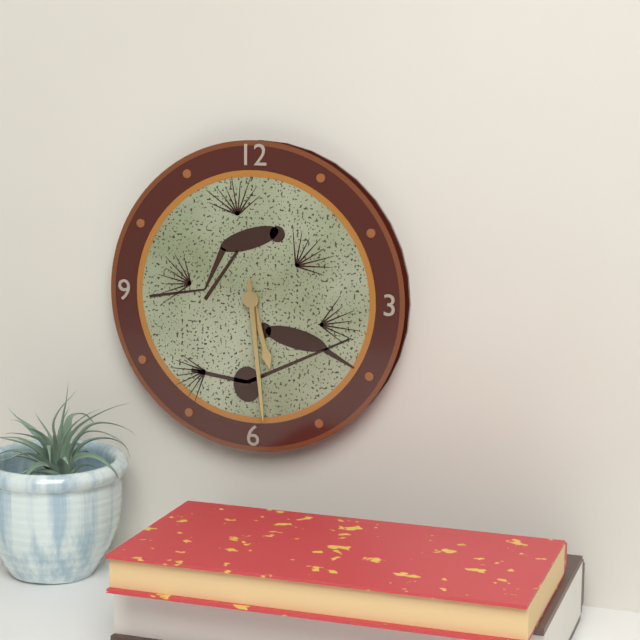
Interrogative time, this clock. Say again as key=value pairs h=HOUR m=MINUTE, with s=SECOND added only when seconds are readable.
h=5 m=29
